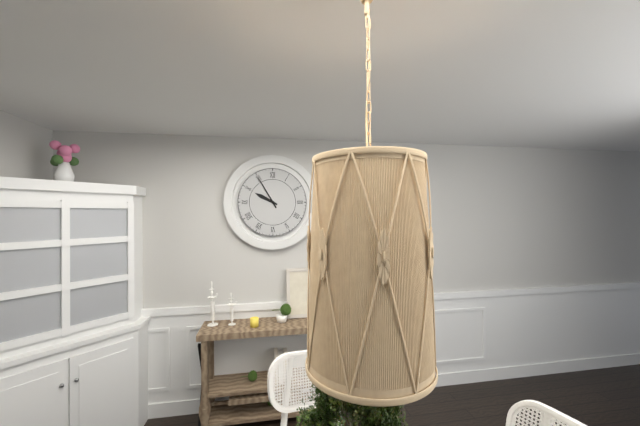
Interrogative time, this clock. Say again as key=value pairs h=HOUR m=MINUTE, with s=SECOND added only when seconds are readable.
h=9 m=55
